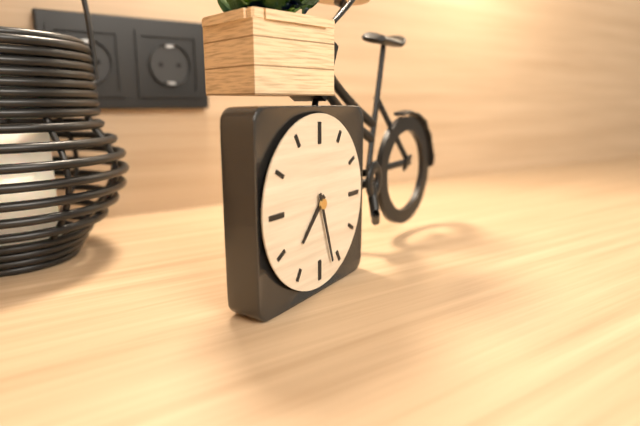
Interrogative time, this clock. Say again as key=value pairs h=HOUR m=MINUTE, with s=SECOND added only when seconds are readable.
h=7 m=27
